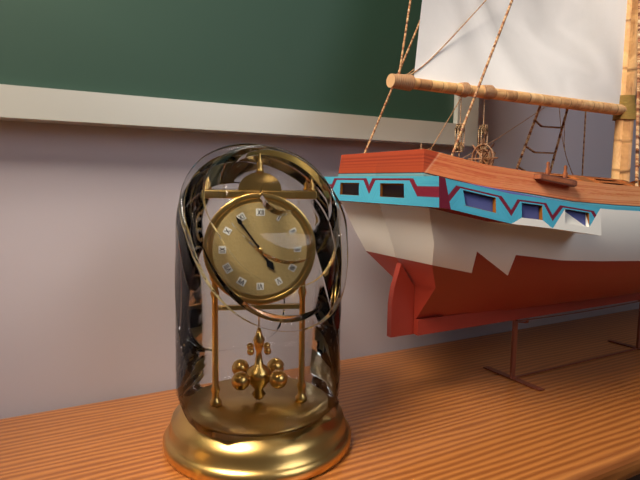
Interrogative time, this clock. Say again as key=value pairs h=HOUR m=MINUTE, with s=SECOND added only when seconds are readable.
h=4 m=54
